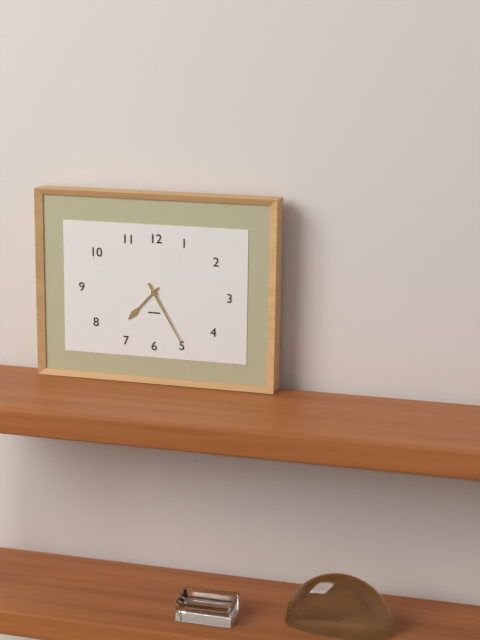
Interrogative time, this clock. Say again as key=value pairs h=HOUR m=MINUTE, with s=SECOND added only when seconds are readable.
h=7 m=25
